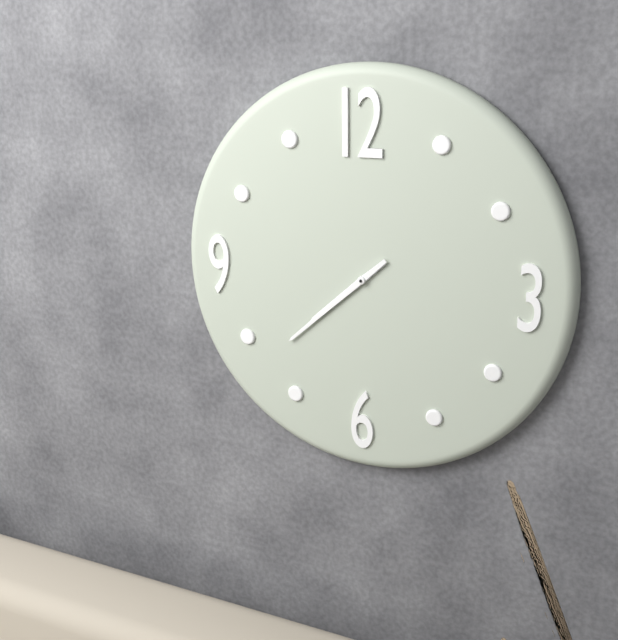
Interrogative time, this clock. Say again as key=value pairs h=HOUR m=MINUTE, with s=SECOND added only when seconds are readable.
h=7 m=38
